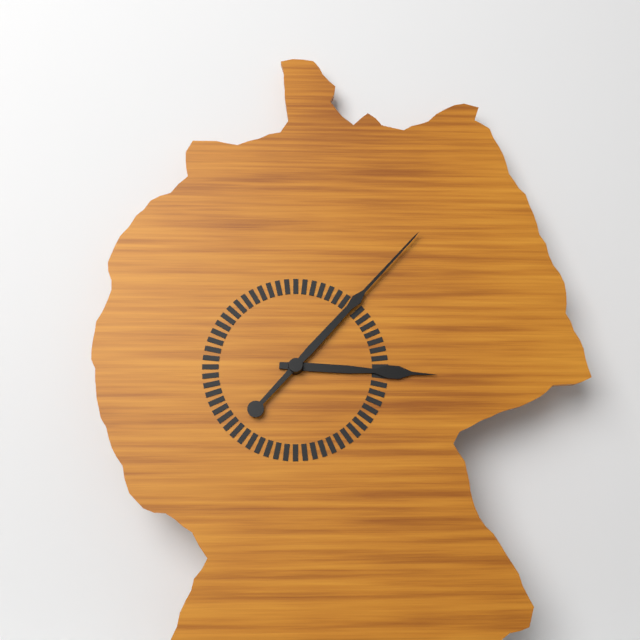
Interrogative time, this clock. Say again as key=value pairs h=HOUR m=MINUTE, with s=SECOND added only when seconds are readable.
h=3 m=7
